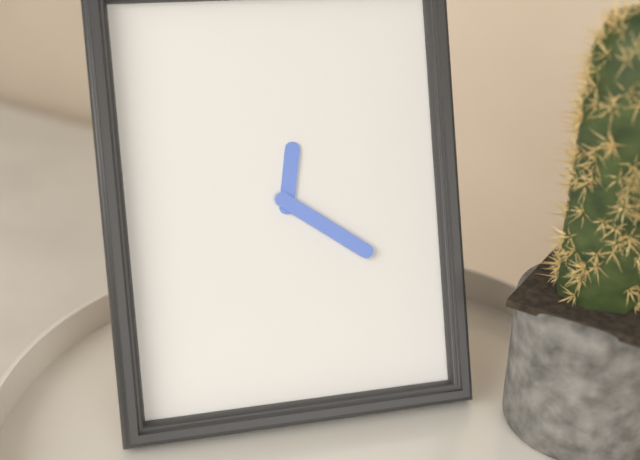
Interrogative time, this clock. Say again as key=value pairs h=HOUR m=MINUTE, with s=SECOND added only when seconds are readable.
h=12 m=21
